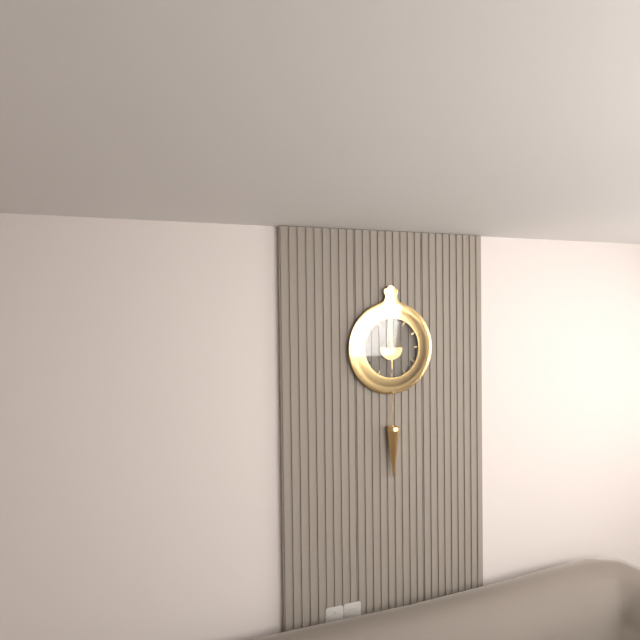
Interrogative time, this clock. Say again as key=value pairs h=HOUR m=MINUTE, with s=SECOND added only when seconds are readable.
h=5 m=59
